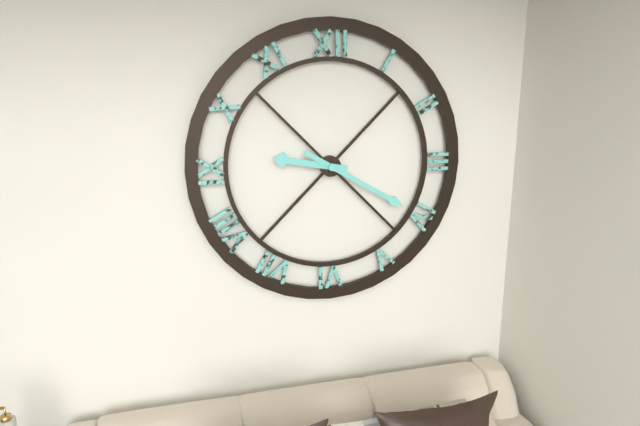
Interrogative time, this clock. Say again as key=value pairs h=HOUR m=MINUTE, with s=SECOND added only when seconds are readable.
h=9 m=20
